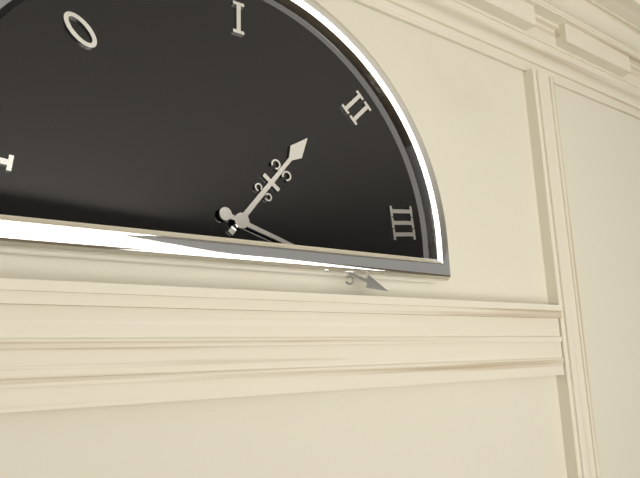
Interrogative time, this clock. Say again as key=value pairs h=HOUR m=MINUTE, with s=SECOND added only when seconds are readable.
h=1 m=18
